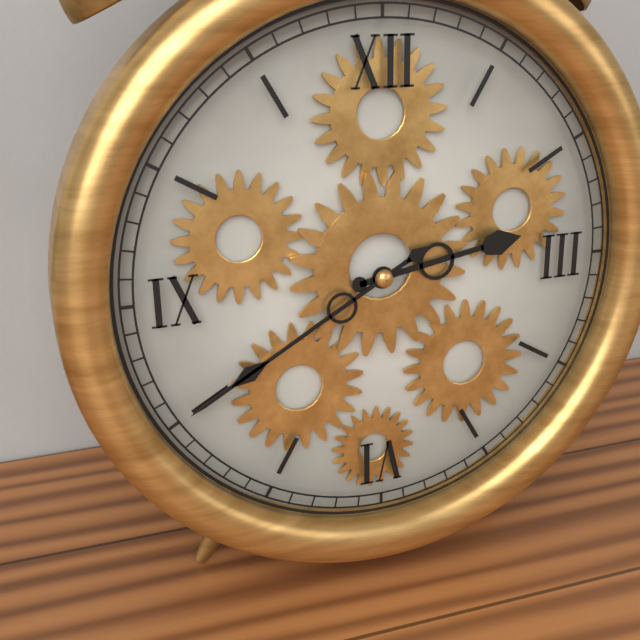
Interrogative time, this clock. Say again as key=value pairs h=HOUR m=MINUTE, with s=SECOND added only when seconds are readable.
h=2 m=40
